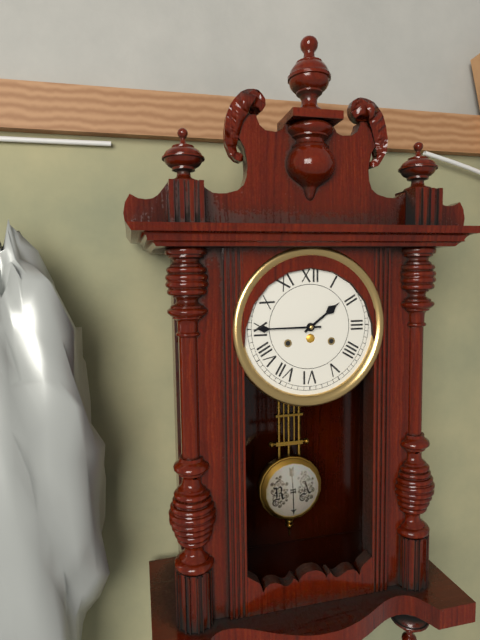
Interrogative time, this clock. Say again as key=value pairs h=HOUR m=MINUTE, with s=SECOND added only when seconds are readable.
h=1 m=45
